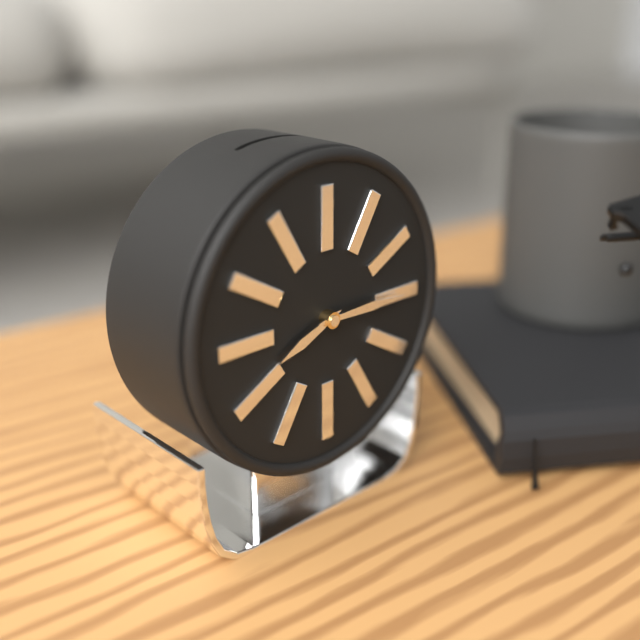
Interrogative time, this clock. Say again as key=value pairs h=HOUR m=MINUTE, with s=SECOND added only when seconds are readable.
h=8 m=15
